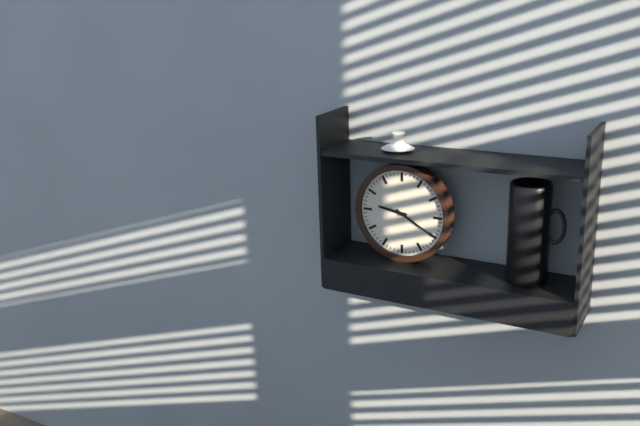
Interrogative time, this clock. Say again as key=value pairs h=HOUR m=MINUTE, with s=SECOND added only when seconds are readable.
h=9 m=20
